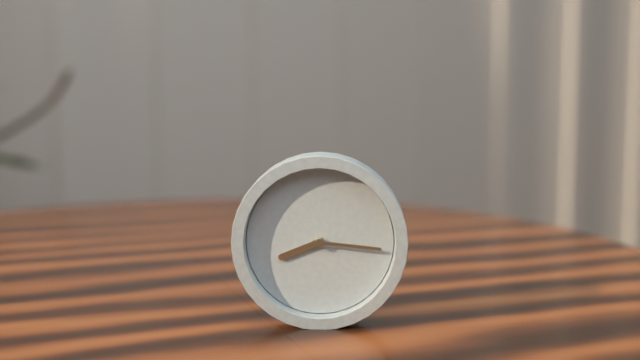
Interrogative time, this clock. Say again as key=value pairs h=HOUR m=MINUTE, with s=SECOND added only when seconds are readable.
h=8 m=16
